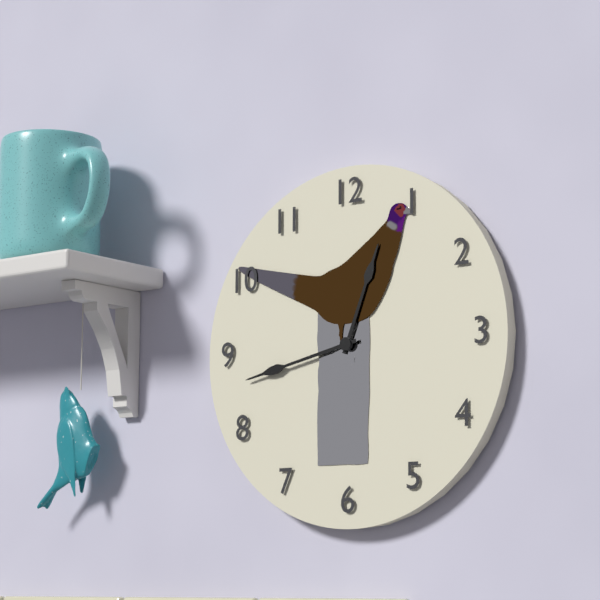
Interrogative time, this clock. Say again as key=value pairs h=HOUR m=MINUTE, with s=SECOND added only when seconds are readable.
h=12 m=43
